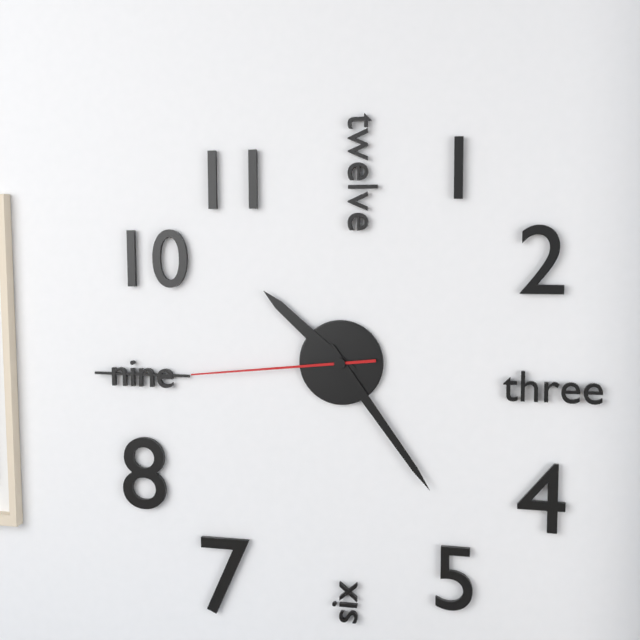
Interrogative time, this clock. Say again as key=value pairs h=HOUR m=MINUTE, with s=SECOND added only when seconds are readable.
h=10 m=24 s=44
